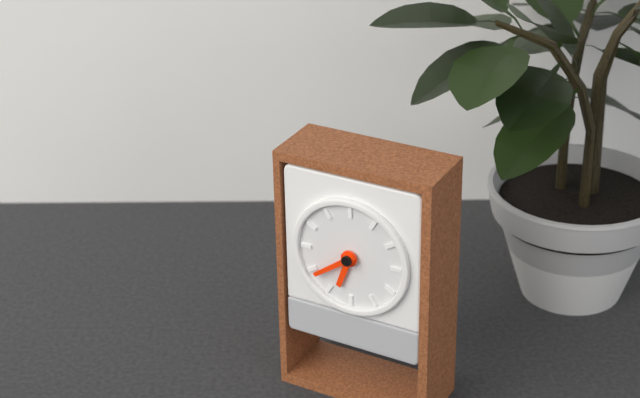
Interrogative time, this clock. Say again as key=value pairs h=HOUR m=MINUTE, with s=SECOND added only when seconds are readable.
h=6 m=39
